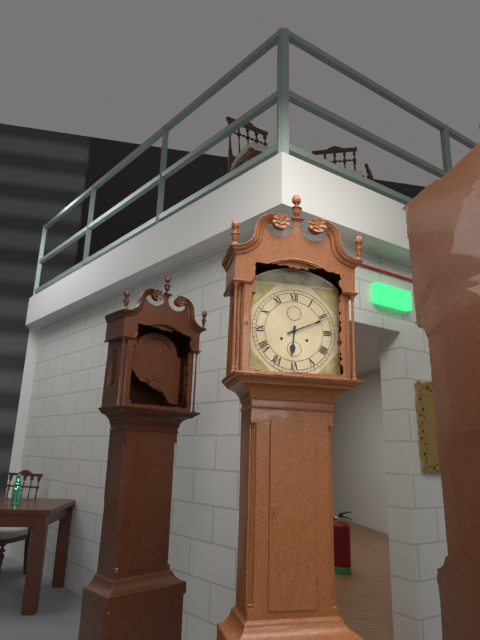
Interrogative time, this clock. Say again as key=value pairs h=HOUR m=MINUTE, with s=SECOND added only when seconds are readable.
h=6 m=11
